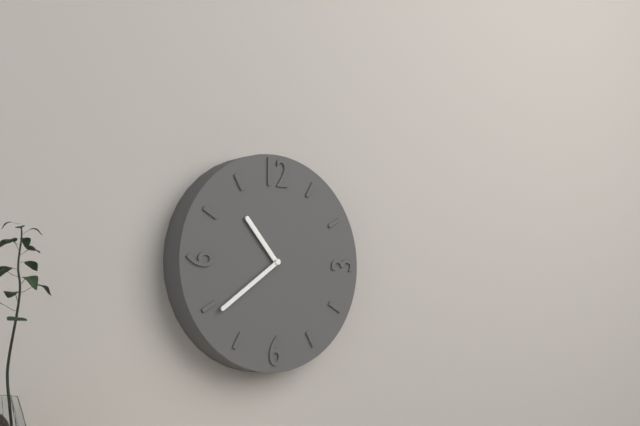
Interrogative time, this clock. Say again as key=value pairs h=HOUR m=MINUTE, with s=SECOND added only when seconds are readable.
h=10 m=39
